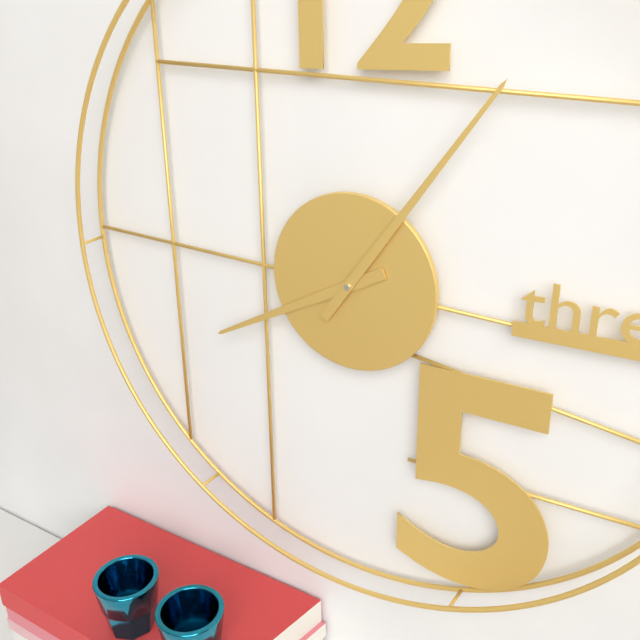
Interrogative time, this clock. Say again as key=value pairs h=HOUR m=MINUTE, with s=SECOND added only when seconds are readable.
h=8 m=6
